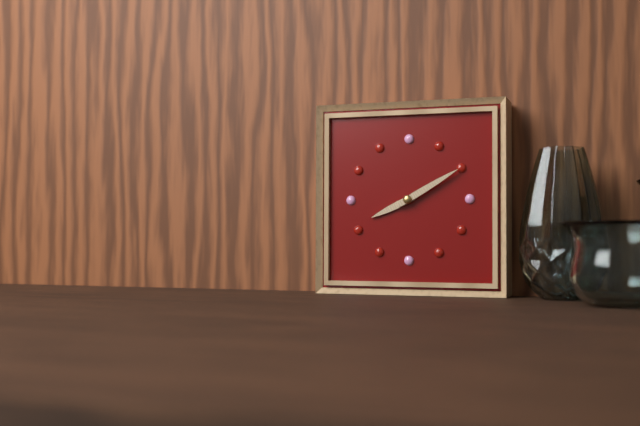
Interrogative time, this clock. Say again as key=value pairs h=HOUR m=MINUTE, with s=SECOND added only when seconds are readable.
h=8 m=10
